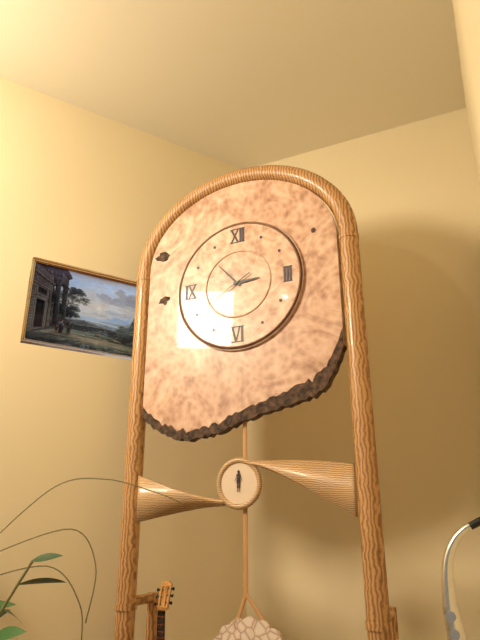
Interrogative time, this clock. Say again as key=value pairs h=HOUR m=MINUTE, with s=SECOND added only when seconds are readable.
h=2 m=53 s=40
